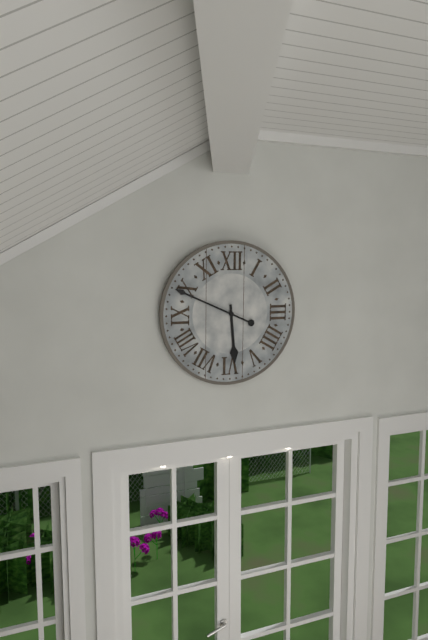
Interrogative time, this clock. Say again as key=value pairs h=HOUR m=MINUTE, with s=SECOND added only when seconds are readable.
h=5 m=49
